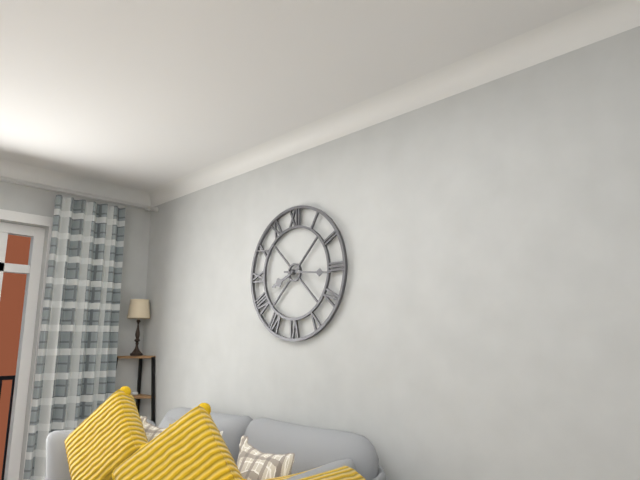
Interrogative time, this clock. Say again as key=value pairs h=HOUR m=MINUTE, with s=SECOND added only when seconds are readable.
h=8 m=16
